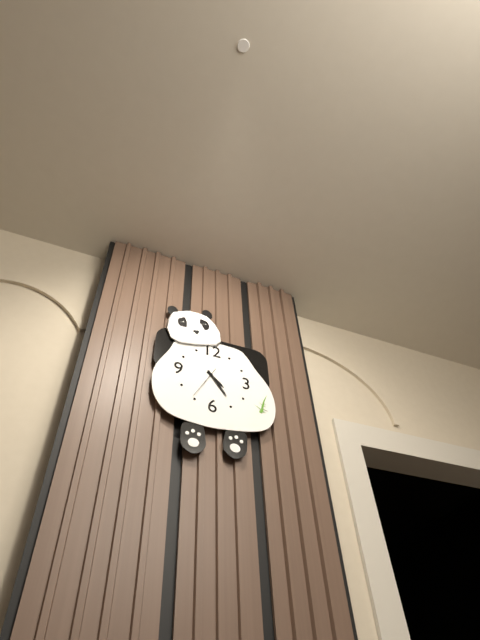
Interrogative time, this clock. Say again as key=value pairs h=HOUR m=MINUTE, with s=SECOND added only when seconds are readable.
h=4 m=24
